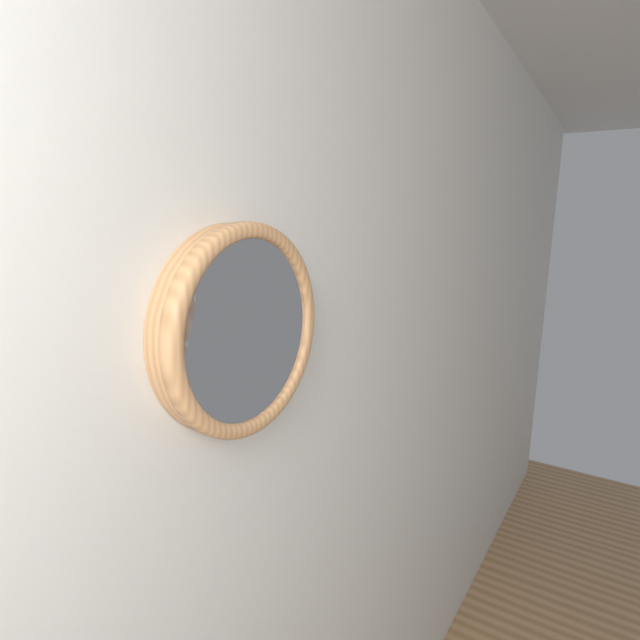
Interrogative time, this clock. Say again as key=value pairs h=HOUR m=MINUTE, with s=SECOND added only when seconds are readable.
h=12 m=25
